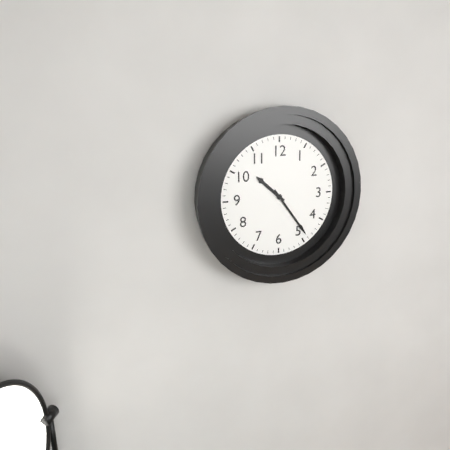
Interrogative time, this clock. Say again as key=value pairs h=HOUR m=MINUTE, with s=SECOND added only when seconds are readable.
h=10 m=24
